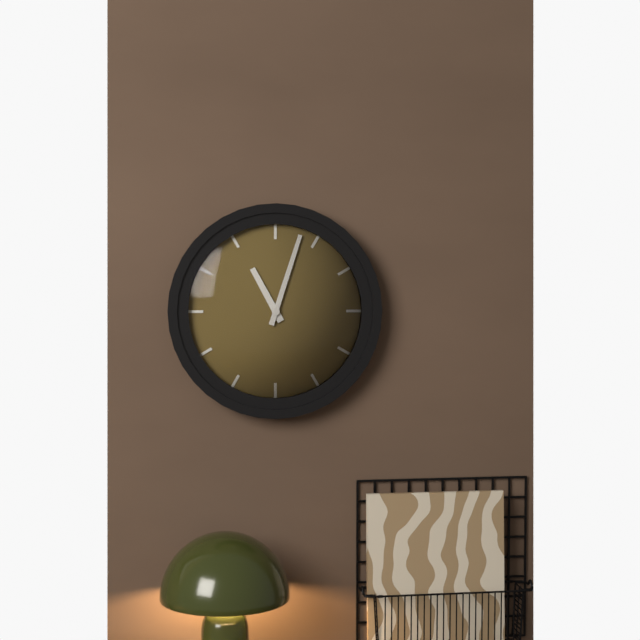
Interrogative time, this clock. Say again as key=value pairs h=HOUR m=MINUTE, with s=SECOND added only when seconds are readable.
h=11 m=3
